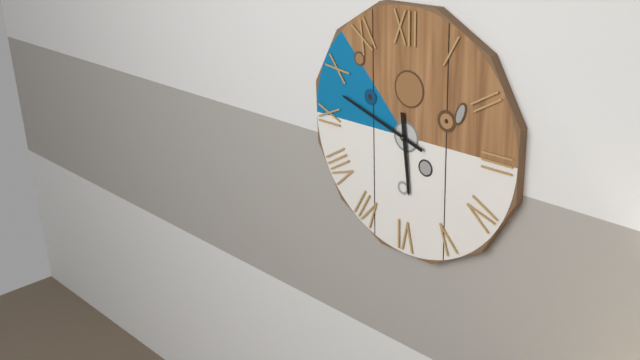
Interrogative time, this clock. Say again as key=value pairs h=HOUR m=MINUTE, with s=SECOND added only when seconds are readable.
h=5 m=48
